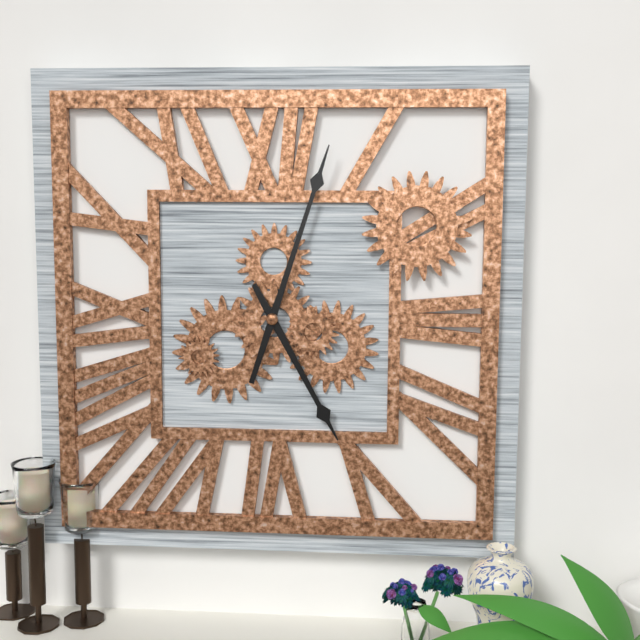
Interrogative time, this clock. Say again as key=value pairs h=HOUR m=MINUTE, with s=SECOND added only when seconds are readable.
h=5 m=3
